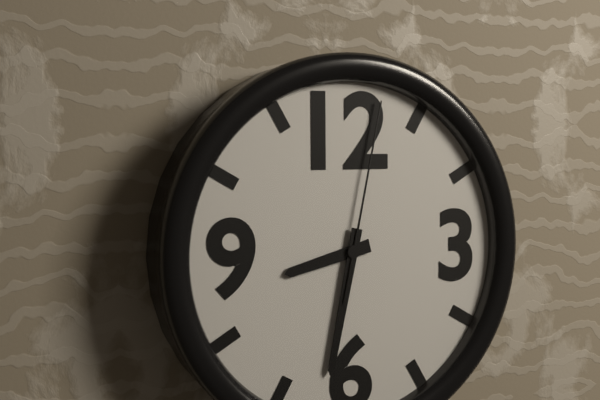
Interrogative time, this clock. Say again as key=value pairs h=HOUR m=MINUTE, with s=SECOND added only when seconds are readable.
h=8 m=32 s=2
